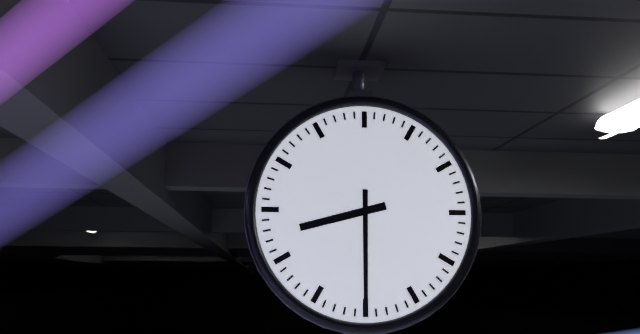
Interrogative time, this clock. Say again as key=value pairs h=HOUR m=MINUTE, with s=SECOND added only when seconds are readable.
h=8 m=30
